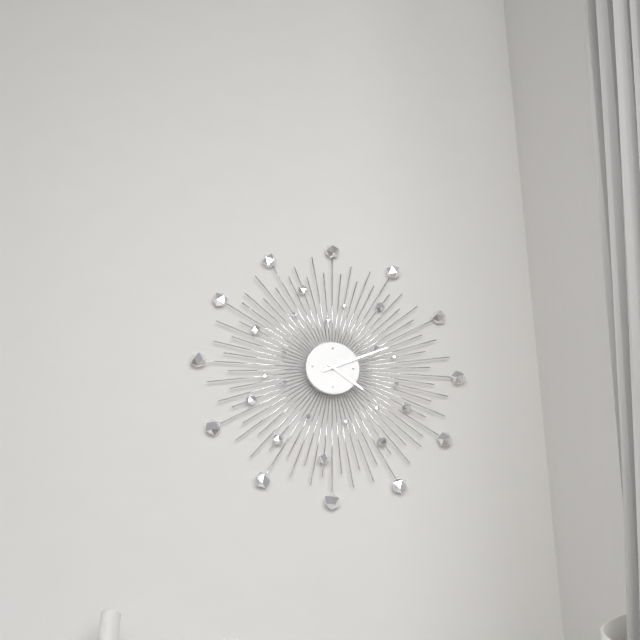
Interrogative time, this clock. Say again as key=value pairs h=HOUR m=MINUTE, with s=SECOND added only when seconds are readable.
h=4 m=11
